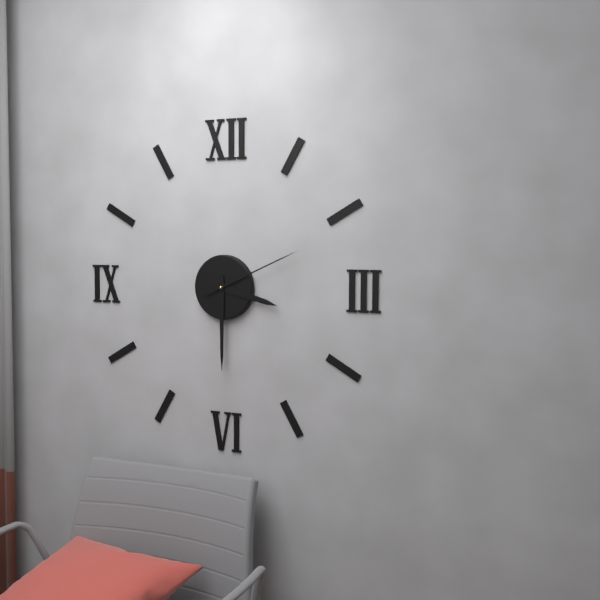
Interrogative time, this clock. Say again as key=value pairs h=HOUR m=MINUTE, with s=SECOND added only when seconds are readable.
h=3 m=30 s=11
